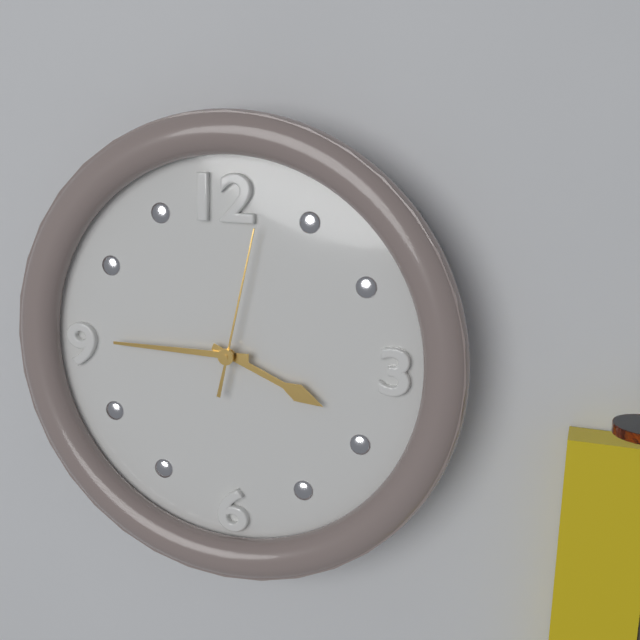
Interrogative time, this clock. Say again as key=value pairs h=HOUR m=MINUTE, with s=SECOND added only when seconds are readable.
h=3 m=45 s=2
